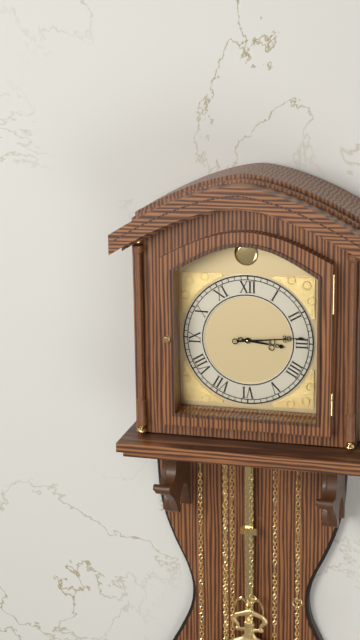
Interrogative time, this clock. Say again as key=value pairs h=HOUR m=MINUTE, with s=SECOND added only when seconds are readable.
h=3 m=14
